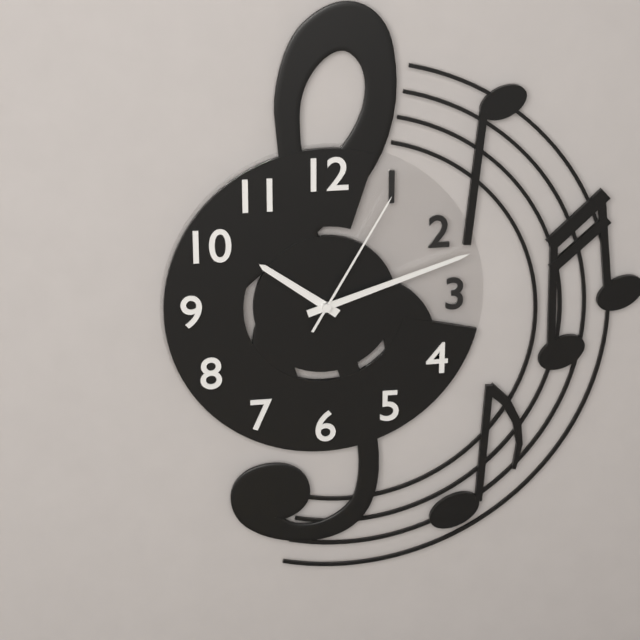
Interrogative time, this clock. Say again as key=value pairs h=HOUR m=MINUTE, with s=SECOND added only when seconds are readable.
h=10 m=12 s=5
